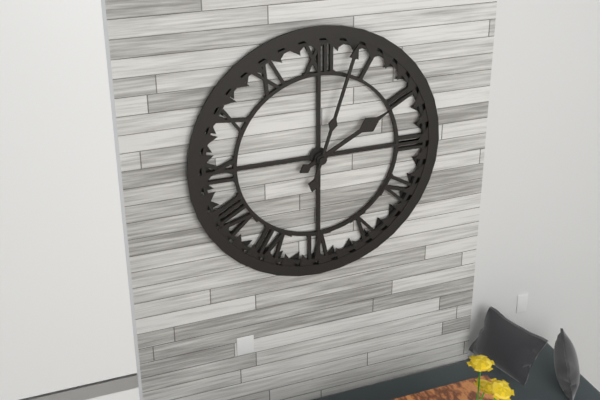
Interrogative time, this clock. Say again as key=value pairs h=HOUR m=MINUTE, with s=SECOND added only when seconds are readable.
h=2 m=3
